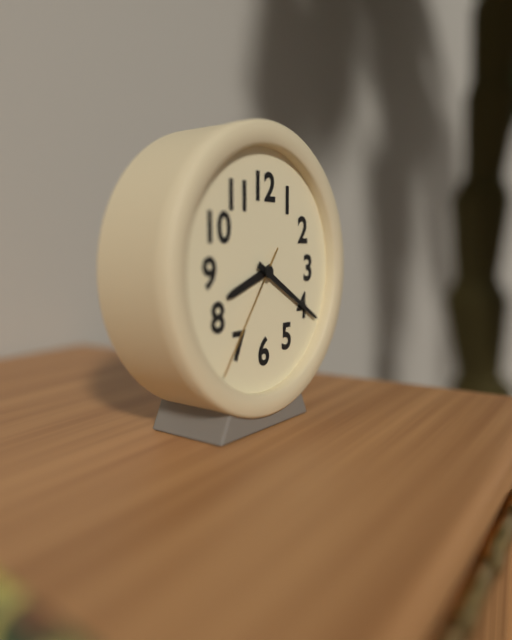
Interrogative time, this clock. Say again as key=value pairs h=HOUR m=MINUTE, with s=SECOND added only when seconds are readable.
h=8 m=20 s=36
